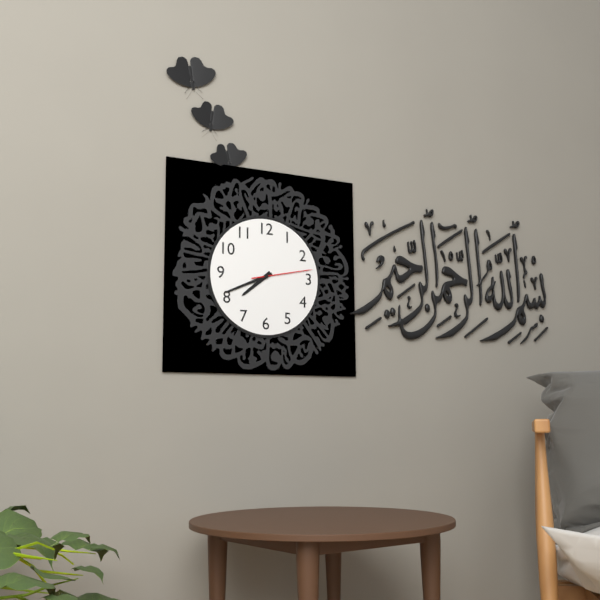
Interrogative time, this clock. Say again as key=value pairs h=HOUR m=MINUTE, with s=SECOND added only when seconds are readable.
h=7 m=41 s=13
